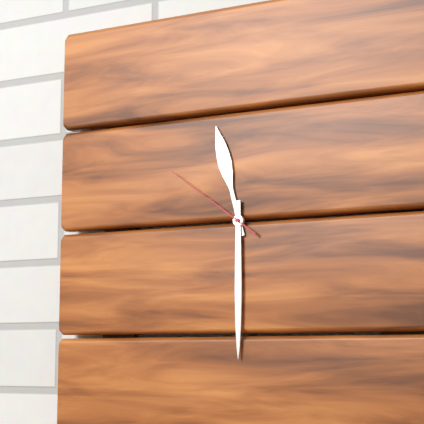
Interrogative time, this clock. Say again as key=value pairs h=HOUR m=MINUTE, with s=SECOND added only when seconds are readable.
h=11 m=30 s=51
